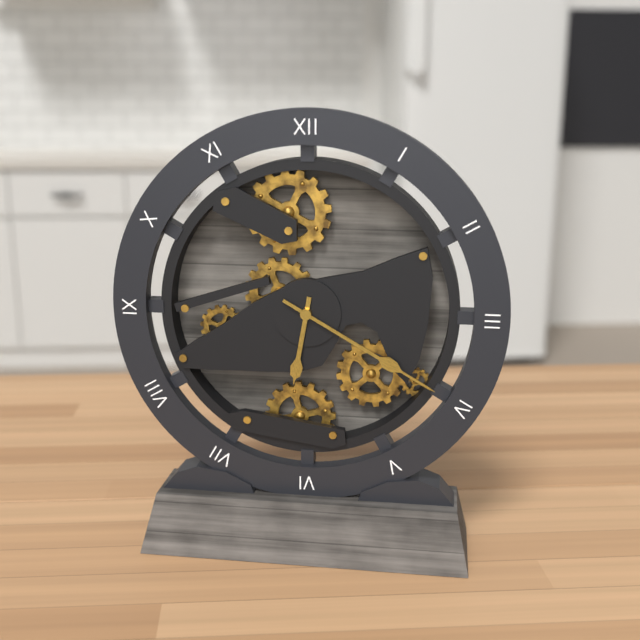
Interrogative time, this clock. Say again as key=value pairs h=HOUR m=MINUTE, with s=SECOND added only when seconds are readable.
h=6 m=20
